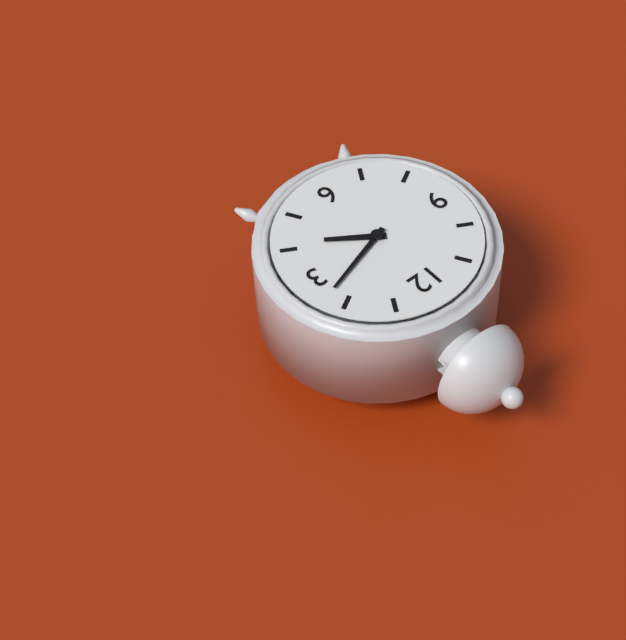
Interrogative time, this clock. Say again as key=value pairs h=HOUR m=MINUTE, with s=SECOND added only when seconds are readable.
h=4 m=12
